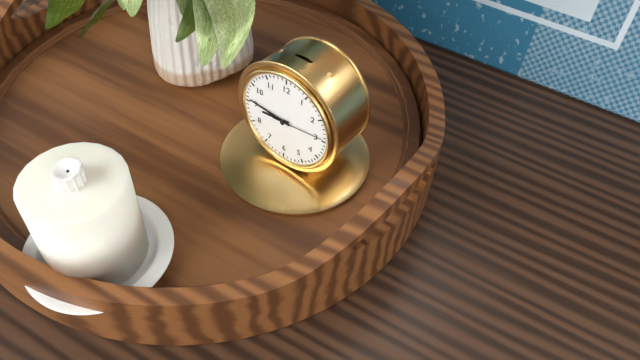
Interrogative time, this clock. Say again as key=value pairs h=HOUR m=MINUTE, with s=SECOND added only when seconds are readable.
h=8 m=46 s=14
